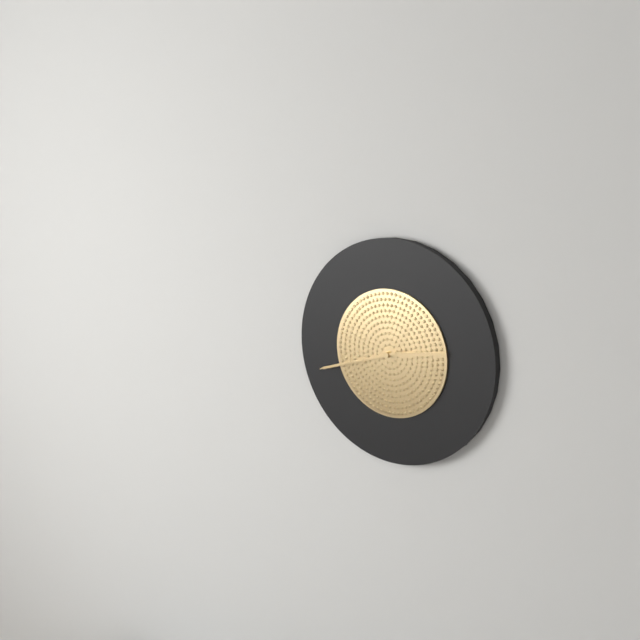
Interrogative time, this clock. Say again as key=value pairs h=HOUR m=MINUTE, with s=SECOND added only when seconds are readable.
h=2 m=42 s=42
